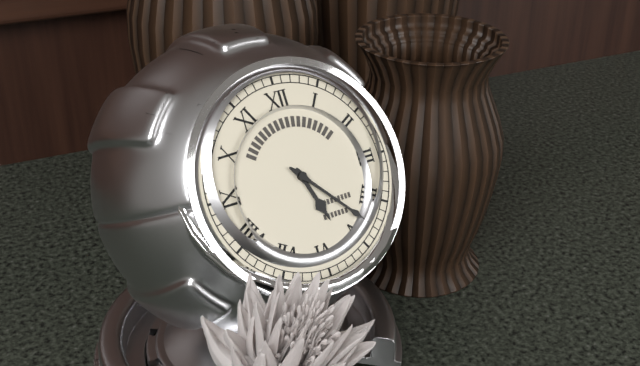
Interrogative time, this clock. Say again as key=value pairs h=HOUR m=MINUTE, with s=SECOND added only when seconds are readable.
h=5 m=23
